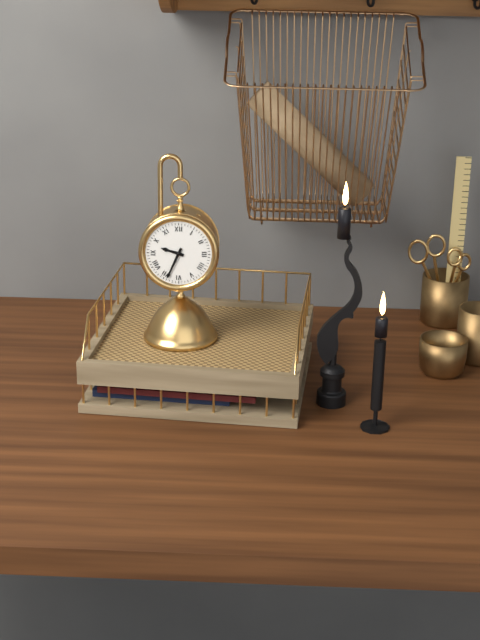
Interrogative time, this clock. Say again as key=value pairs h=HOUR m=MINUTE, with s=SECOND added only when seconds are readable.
h=9 m=34
